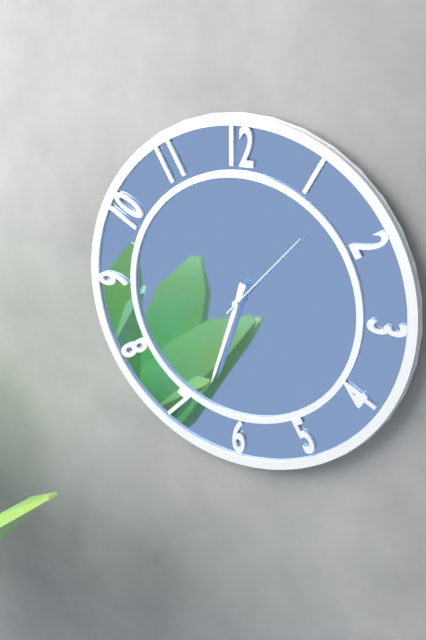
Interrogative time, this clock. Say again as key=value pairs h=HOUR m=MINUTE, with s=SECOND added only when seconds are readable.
h=6 m=33 s=7
